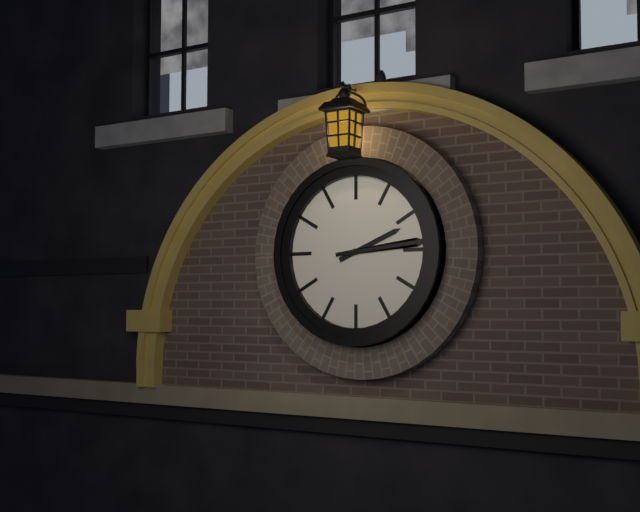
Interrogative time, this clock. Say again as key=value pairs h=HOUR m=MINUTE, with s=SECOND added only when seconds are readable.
h=2 m=14
